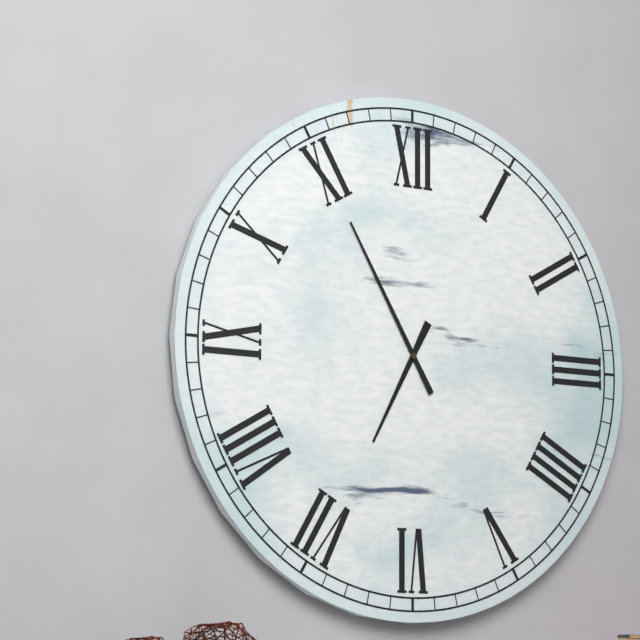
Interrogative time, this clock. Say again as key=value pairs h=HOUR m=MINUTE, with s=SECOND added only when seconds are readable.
h=6 m=55
